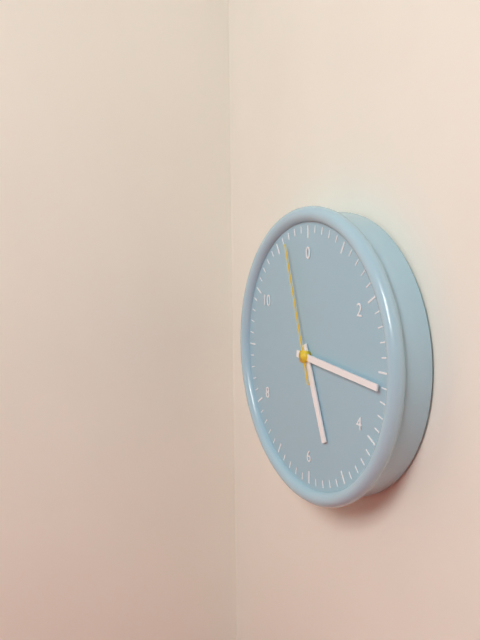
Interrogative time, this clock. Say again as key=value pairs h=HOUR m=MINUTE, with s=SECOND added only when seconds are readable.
h=5 m=16 s=57
